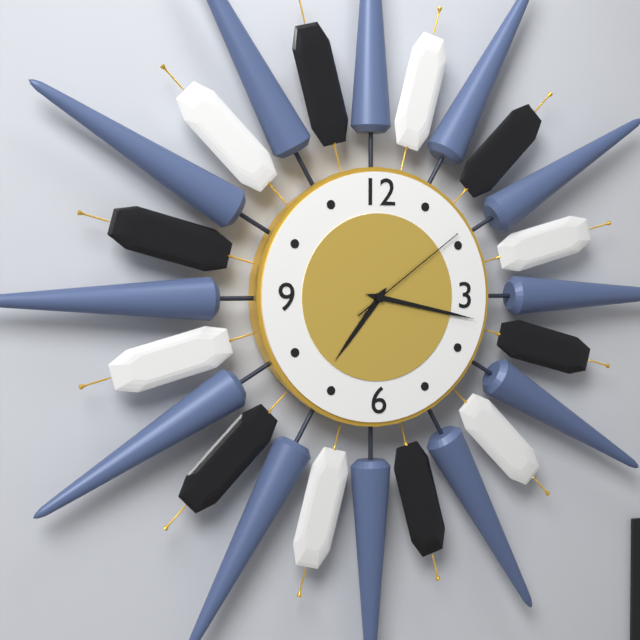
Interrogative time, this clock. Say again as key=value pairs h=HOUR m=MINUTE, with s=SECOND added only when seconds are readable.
h=7 m=17 s=9
